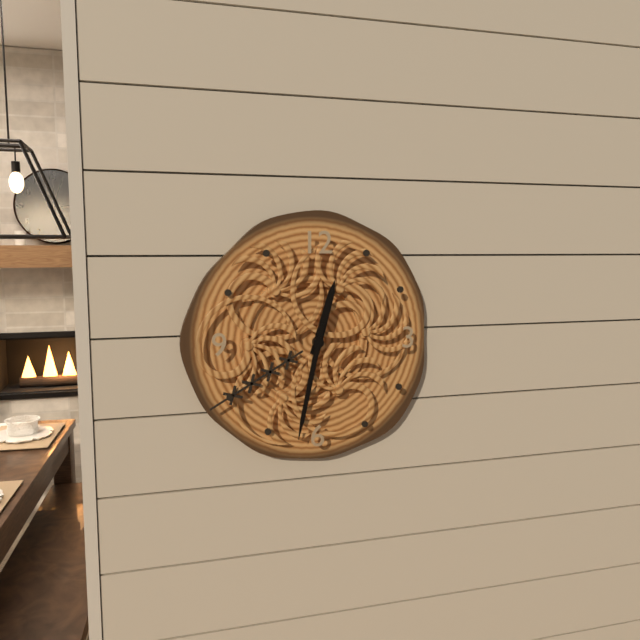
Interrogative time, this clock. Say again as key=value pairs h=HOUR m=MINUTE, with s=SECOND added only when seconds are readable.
h=12 m=32
